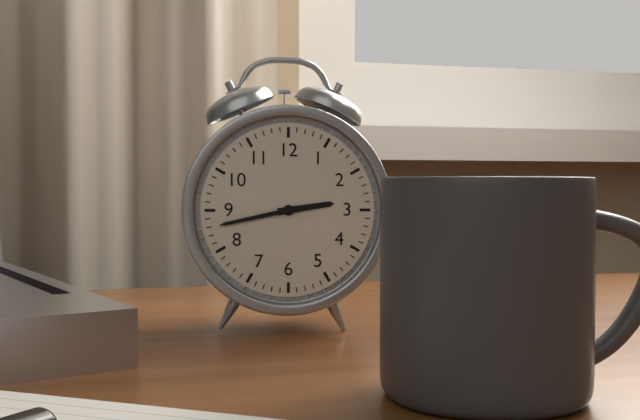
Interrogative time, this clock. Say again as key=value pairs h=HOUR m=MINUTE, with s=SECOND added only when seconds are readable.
h=2 m=43
